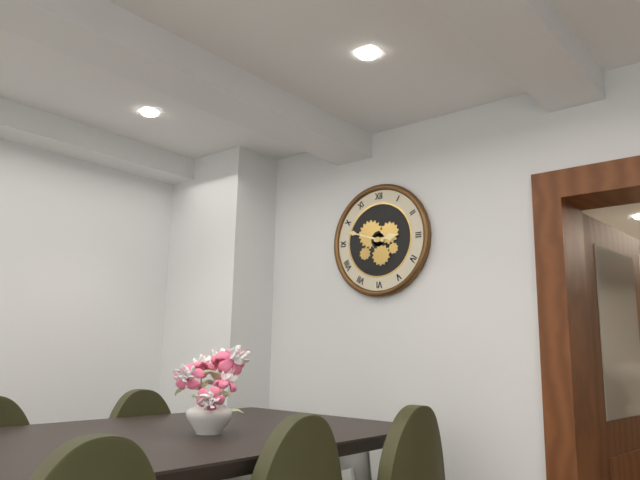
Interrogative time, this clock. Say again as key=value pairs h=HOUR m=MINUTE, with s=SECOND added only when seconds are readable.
h=2 m=48
